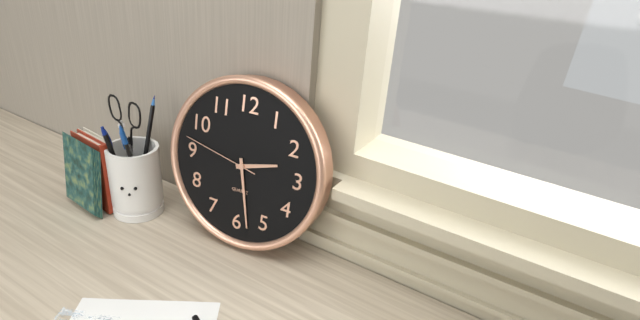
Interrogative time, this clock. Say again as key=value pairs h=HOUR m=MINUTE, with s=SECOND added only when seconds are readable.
h=2 m=28 s=47
